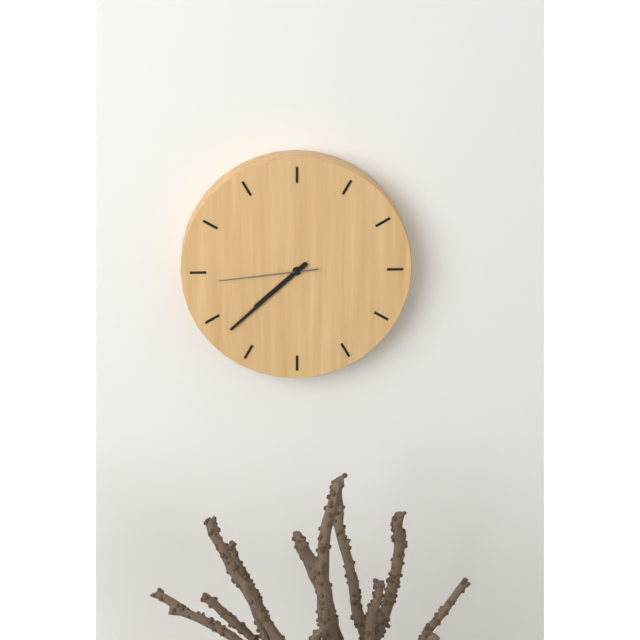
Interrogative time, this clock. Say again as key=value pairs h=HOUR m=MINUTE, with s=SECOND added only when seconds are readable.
h=7 m=38 s=44
